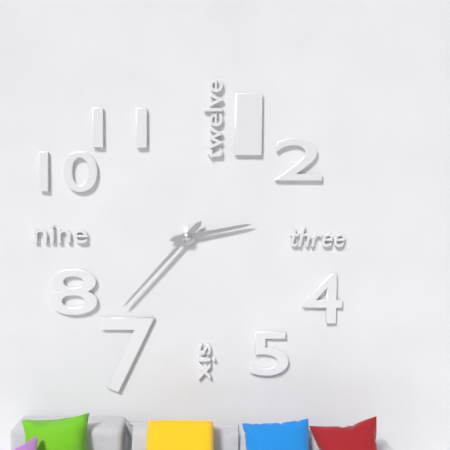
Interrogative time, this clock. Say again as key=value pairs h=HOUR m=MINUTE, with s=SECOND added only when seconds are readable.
h=2 m=37
